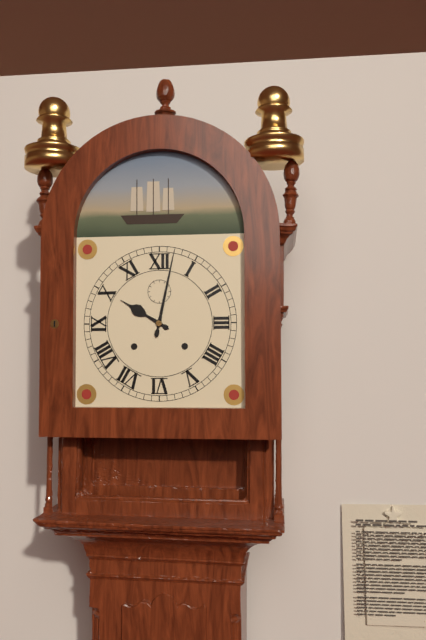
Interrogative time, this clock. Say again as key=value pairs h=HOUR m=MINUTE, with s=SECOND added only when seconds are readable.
h=10 m=2
